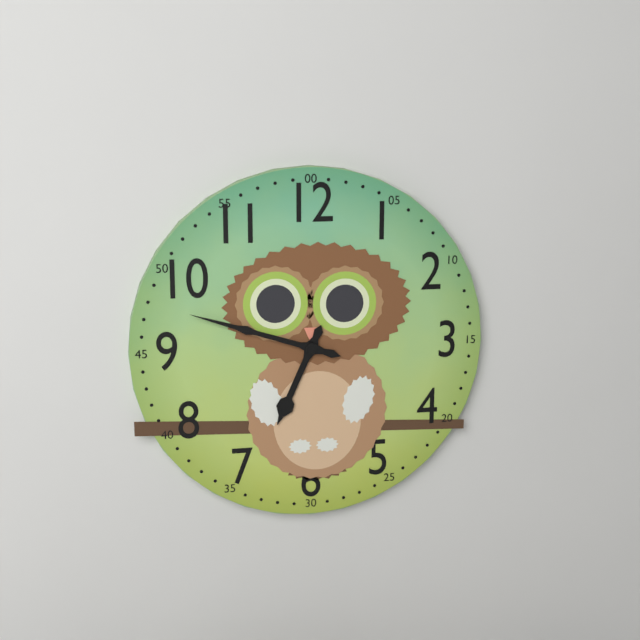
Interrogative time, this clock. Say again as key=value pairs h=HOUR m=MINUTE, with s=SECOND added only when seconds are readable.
h=6 m=48
